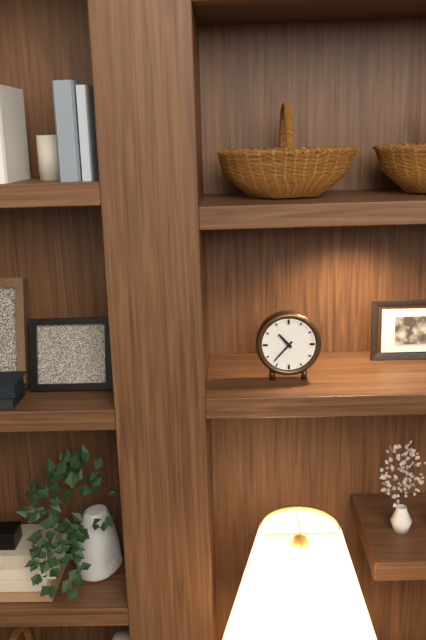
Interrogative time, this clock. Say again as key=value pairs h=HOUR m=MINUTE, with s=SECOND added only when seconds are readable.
h=10 m=37
